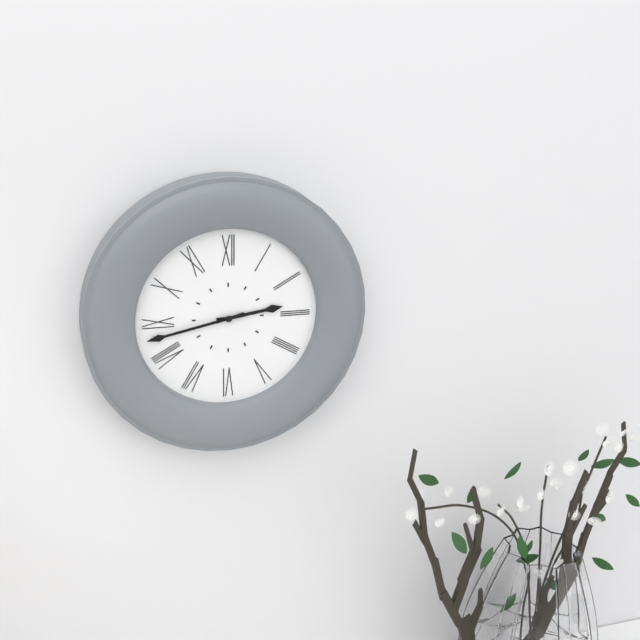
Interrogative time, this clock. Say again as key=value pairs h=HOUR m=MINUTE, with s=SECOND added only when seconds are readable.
h=2 m=43
